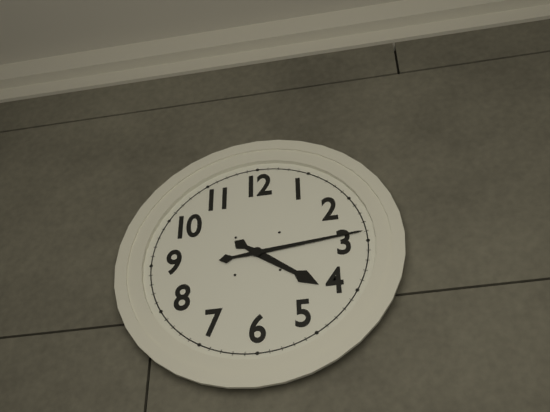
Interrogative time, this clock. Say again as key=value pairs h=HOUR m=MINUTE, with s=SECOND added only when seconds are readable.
h=4 m=14
